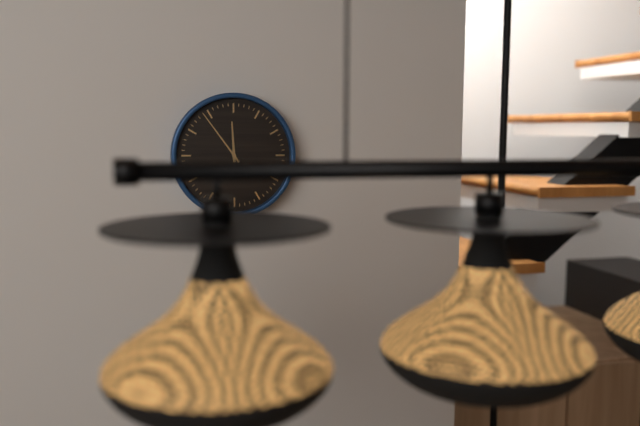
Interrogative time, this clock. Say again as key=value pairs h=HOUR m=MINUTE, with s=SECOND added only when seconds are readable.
h=11 m=54
